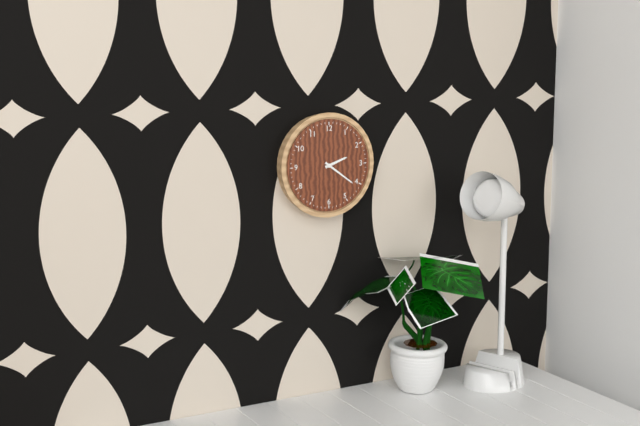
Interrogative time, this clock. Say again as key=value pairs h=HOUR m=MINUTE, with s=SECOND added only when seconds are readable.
h=2 m=21
